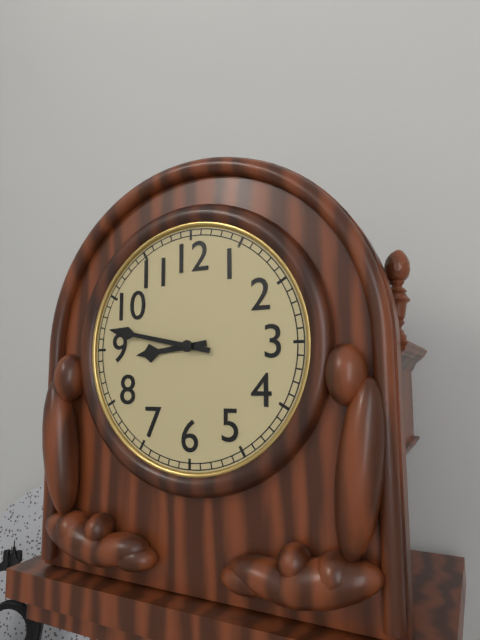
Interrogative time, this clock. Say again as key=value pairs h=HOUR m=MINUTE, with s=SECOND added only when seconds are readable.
h=8 m=47
